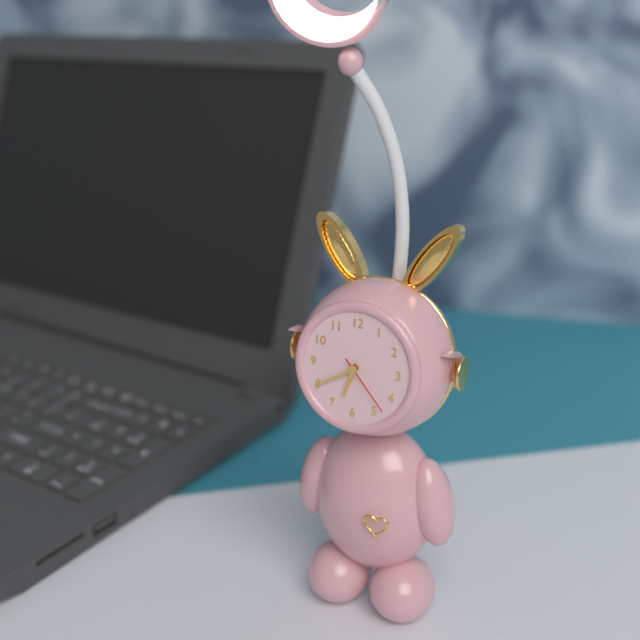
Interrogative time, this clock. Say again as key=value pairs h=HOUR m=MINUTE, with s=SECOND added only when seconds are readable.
h=6 m=40 s=23
